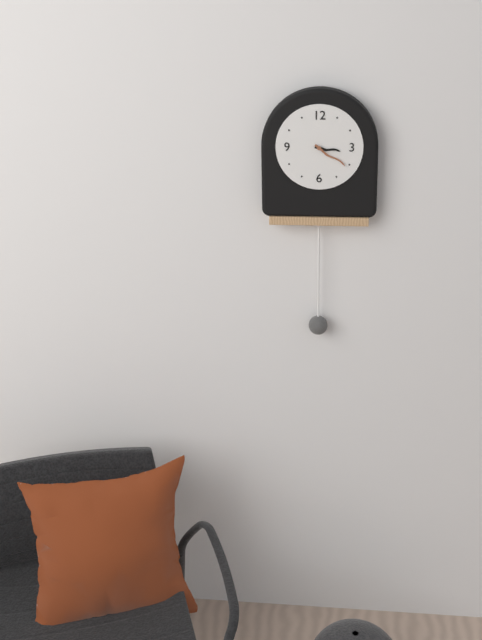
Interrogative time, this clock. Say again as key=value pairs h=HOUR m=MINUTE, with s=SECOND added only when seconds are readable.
h=3 m=21
